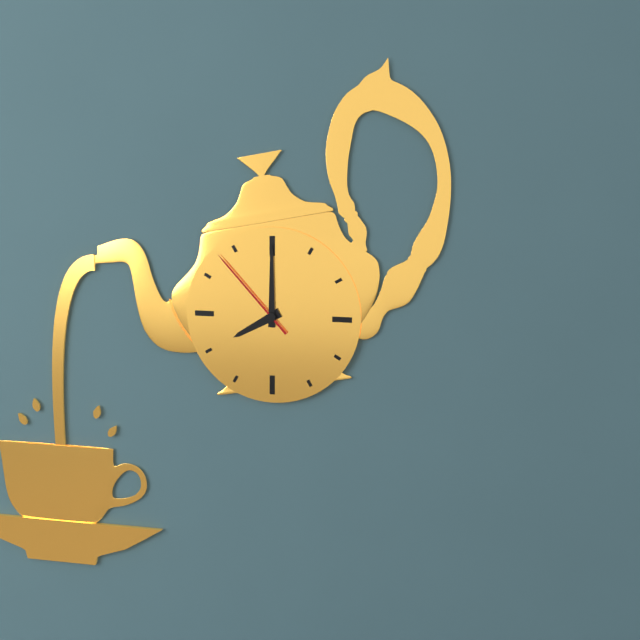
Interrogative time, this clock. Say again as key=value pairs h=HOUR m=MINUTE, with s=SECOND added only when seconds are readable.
h=8 m=0 s=53
